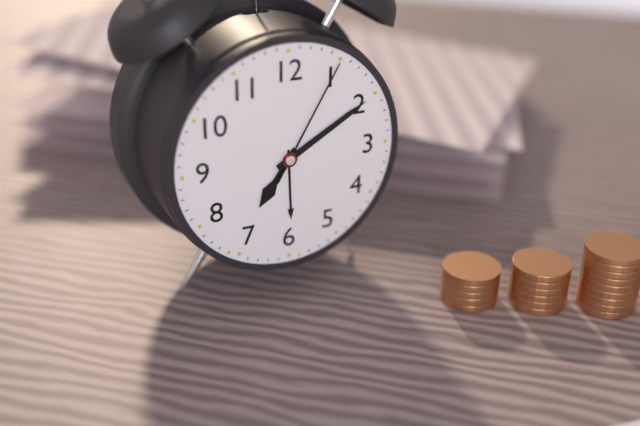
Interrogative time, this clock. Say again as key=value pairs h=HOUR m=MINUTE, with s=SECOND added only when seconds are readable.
h=7 m=10 s=5
